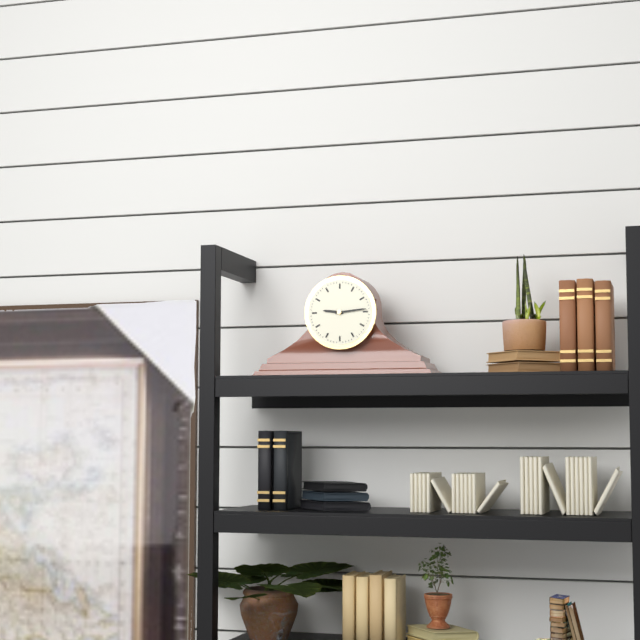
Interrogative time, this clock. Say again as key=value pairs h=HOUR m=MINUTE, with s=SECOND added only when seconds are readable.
h=9 m=14
